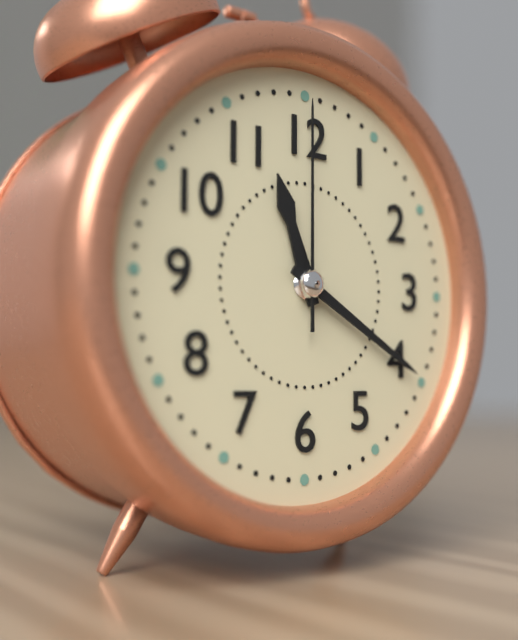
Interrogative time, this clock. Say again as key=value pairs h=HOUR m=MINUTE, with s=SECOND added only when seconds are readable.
h=11 m=20 s=0
